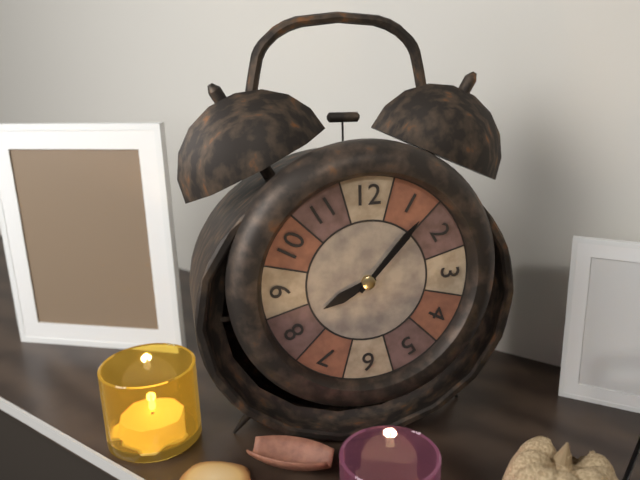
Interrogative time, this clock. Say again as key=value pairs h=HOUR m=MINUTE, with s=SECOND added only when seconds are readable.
h=8 m=7
